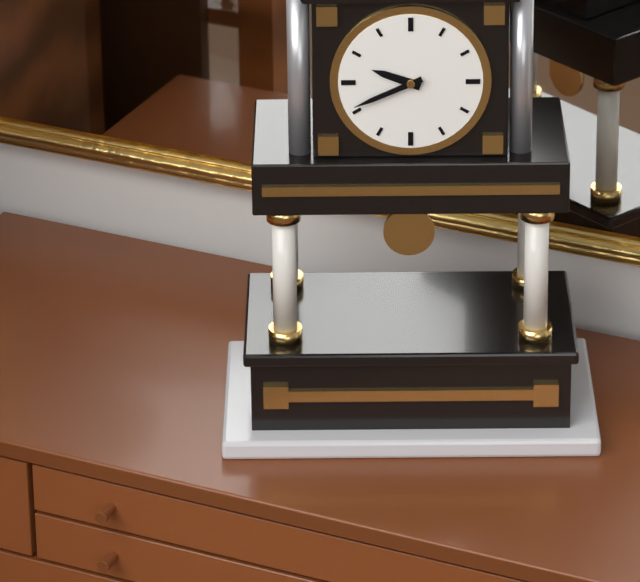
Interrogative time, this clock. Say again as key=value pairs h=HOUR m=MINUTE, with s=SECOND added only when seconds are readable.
h=9 m=41
